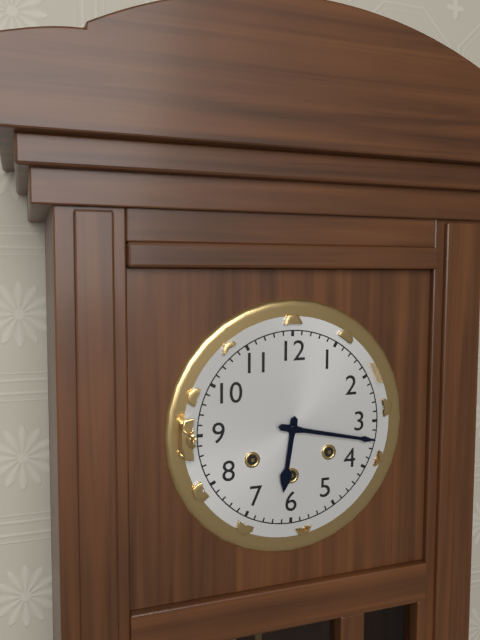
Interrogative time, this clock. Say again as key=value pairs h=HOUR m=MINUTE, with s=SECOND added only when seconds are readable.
h=6 m=17
